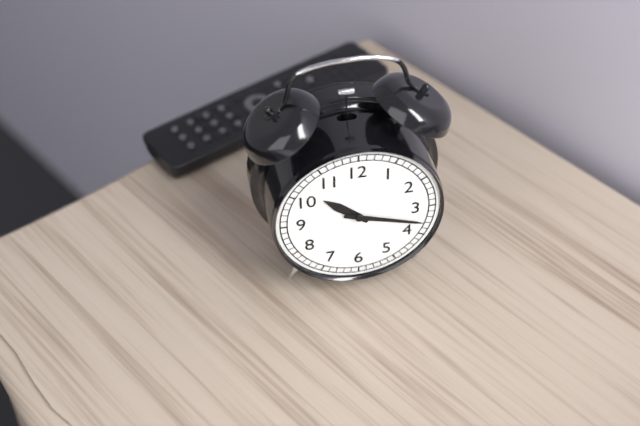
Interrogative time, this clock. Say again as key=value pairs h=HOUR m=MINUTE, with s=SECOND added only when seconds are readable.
h=10 m=18
